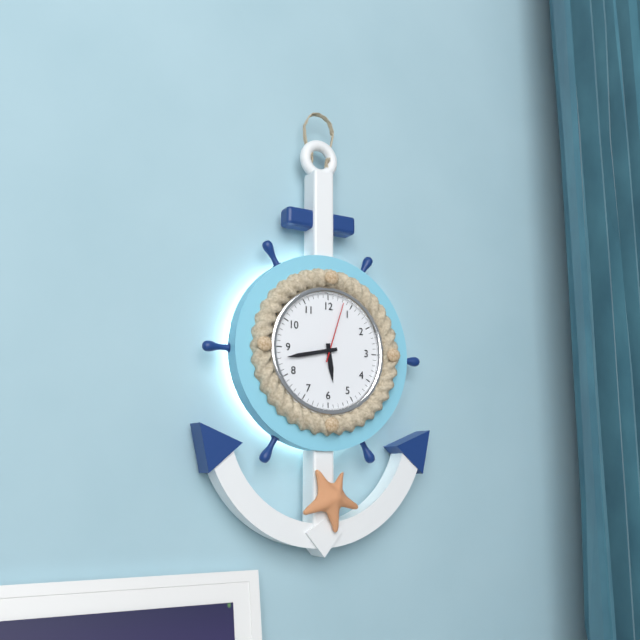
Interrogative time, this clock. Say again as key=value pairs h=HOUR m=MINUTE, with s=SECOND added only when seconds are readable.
h=5 m=43 s=3
